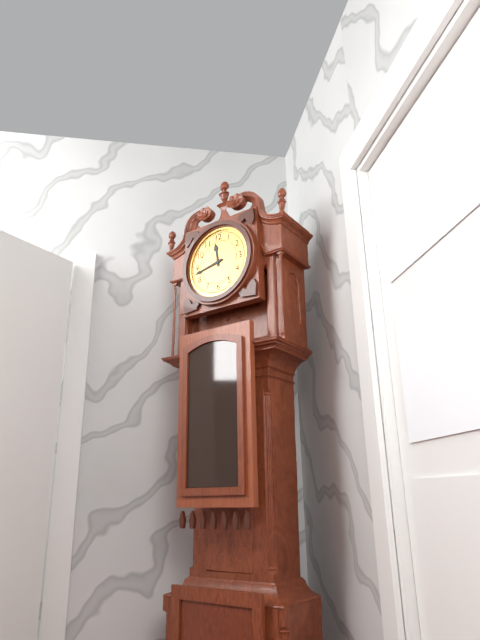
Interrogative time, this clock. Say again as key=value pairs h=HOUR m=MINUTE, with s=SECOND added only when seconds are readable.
h=11 m=43
